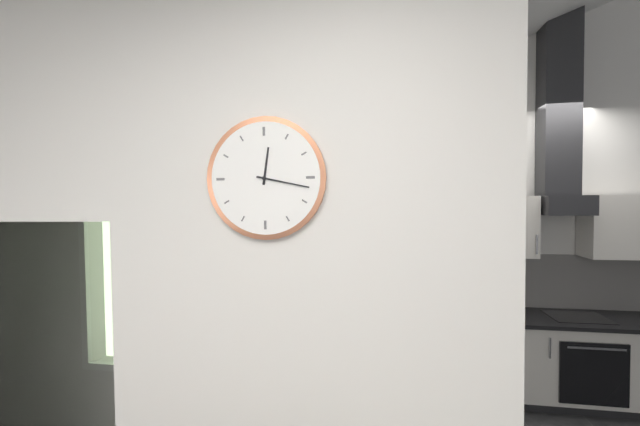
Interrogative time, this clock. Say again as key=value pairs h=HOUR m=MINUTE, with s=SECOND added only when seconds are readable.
h=12 m=17
